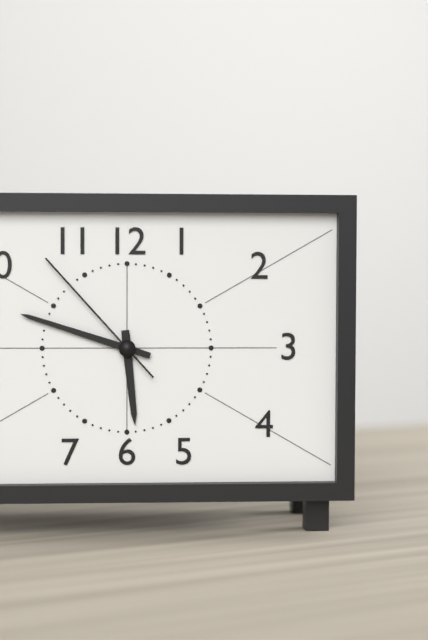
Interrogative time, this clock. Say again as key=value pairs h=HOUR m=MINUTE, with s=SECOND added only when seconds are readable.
h=5 m=48 s=53
